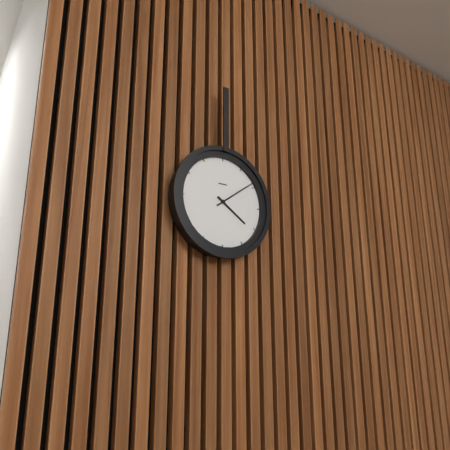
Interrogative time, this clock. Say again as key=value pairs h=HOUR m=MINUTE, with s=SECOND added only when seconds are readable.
h=4 m=9
